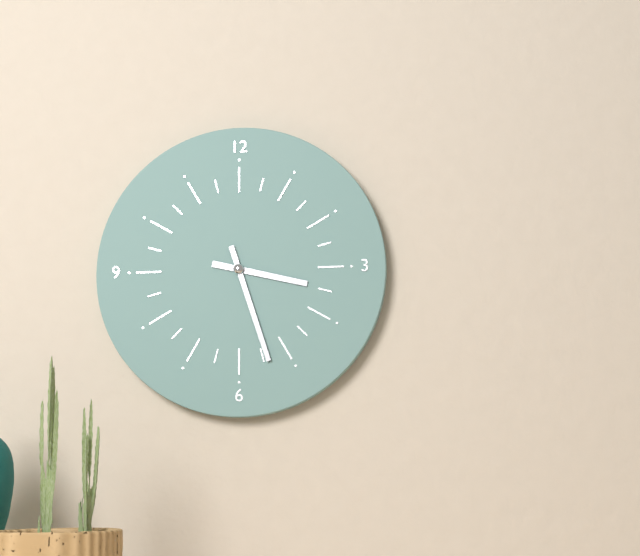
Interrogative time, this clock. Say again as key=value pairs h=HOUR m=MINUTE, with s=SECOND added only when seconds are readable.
h=3 m=27
